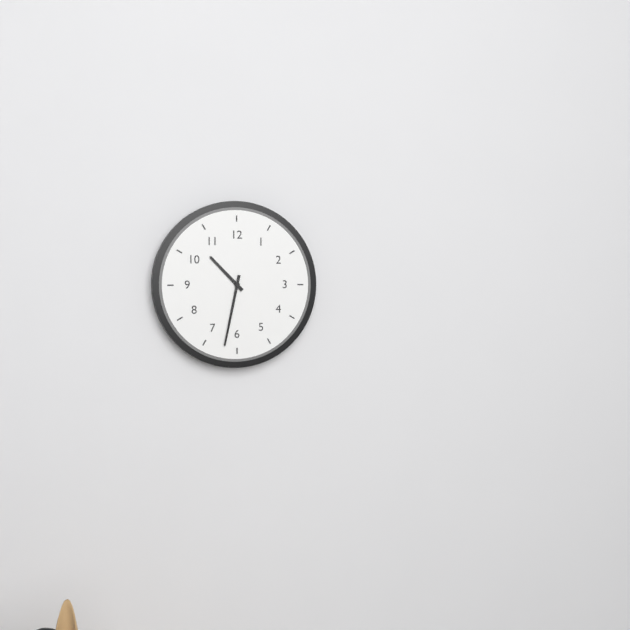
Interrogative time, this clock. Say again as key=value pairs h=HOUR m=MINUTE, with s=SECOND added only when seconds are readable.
h=10 m=32
